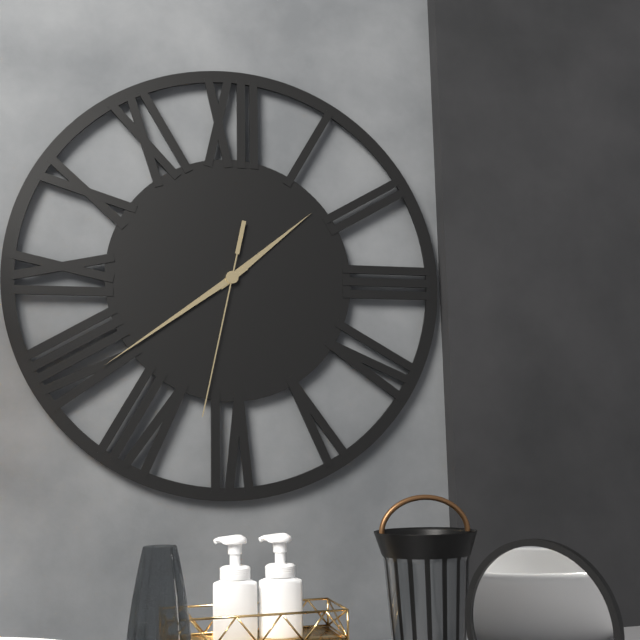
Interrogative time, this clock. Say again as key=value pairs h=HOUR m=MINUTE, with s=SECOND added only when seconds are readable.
h=1 m=39 s=32
